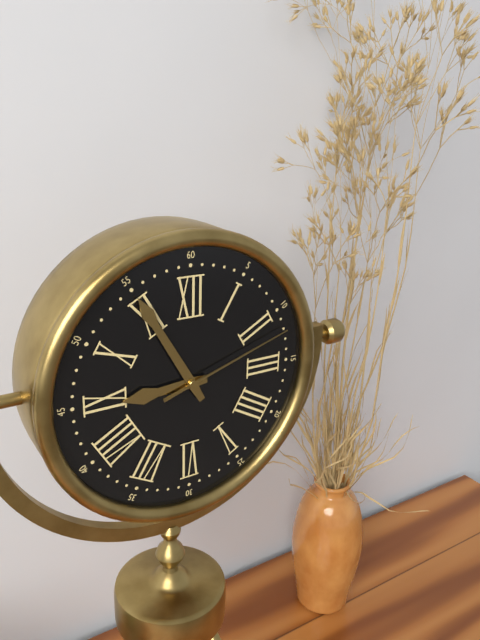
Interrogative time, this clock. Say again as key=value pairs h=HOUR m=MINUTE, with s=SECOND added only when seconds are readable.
h=8 m=55 s=12
